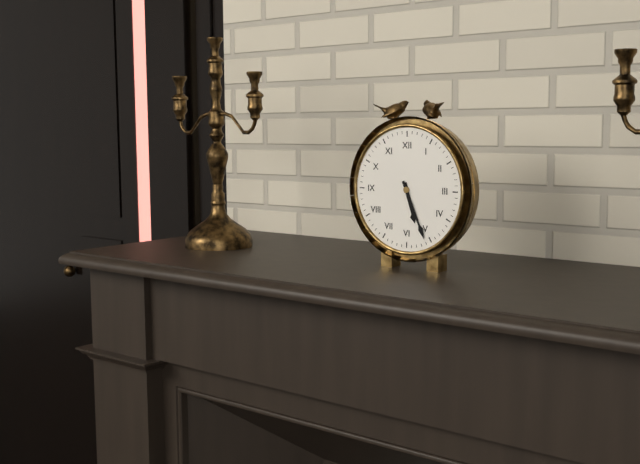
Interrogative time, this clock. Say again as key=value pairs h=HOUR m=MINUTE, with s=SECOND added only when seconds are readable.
h=5 m=26
